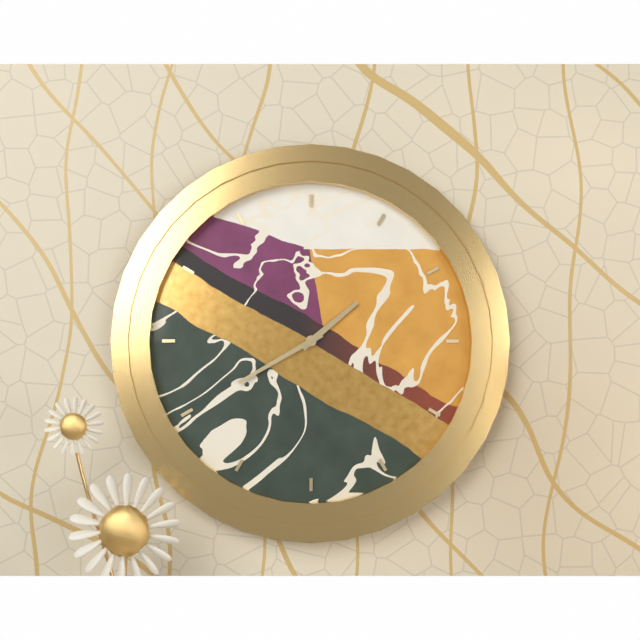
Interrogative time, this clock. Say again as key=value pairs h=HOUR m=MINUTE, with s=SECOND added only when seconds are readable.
h=1 m=40
